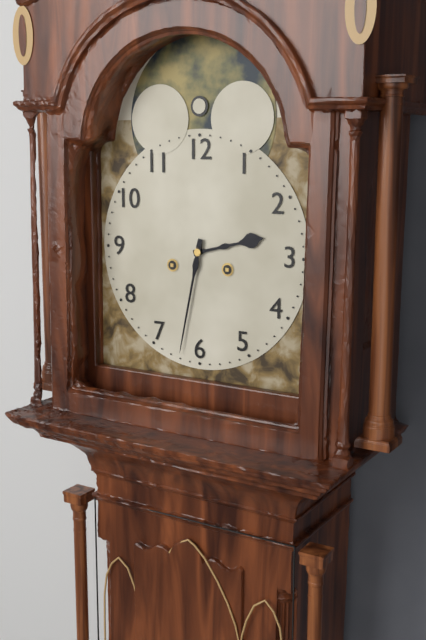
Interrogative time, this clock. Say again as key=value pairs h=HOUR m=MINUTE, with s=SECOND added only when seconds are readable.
h=2 m=32
